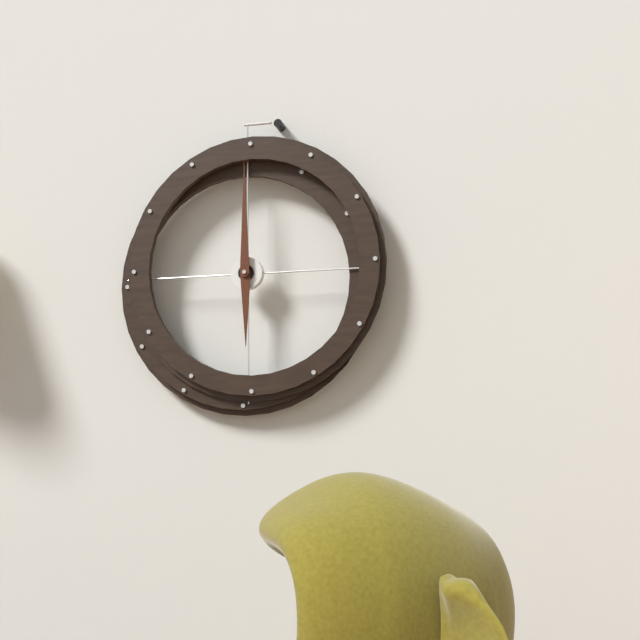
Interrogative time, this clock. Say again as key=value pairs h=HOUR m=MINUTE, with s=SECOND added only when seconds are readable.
h=6 m=0
